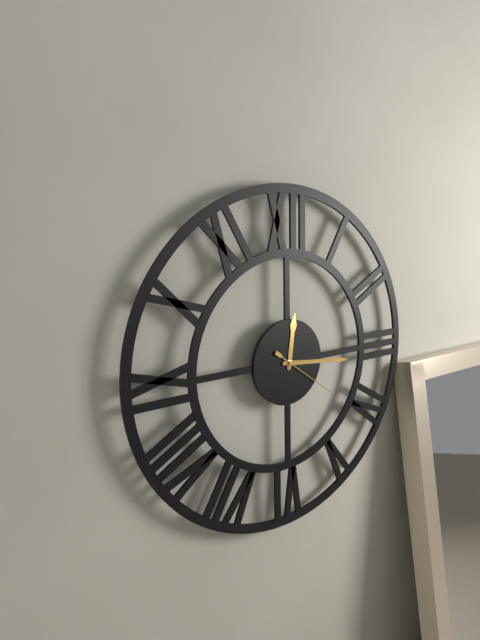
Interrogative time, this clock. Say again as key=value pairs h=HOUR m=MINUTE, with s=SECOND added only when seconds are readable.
h=12 m=16 s=21
